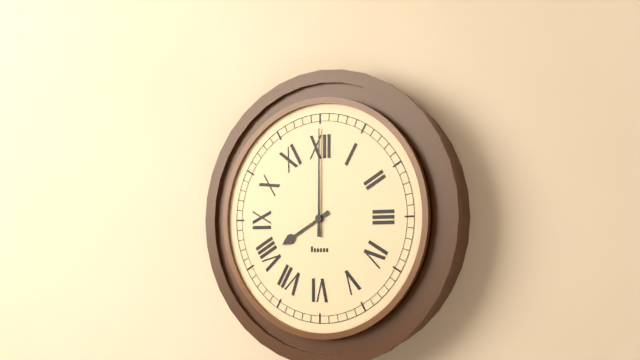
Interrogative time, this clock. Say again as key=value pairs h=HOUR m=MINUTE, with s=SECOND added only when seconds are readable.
h=8 m=0
